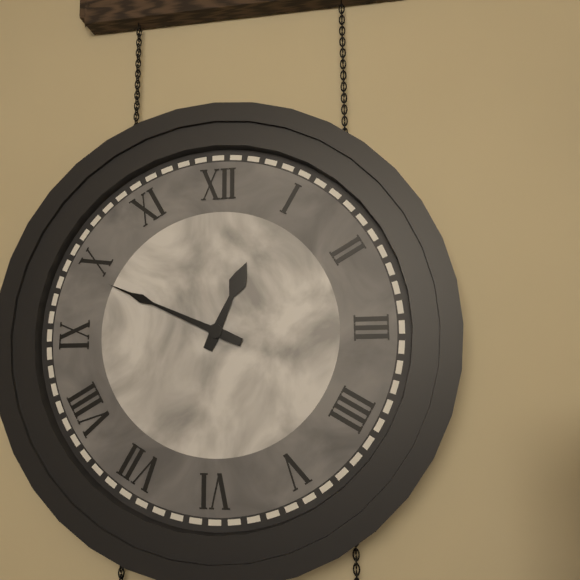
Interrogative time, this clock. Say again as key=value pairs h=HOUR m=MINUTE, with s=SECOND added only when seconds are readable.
h=12 m=49
